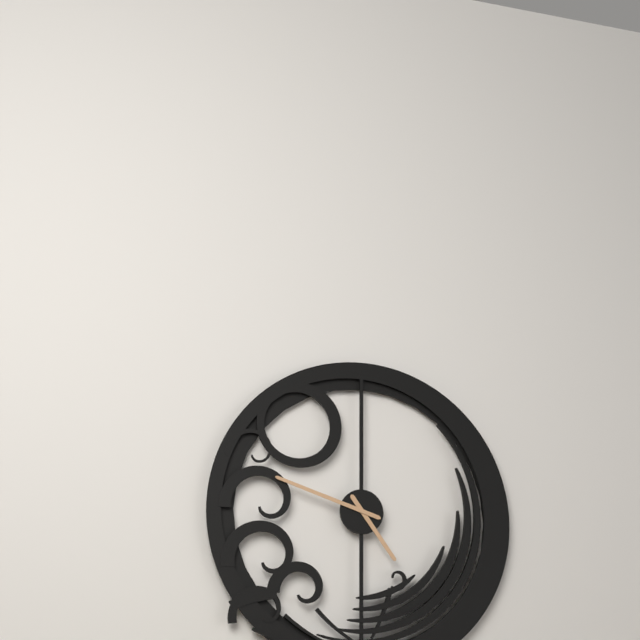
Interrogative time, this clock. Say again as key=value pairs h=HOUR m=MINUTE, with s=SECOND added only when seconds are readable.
h=4 m=48
